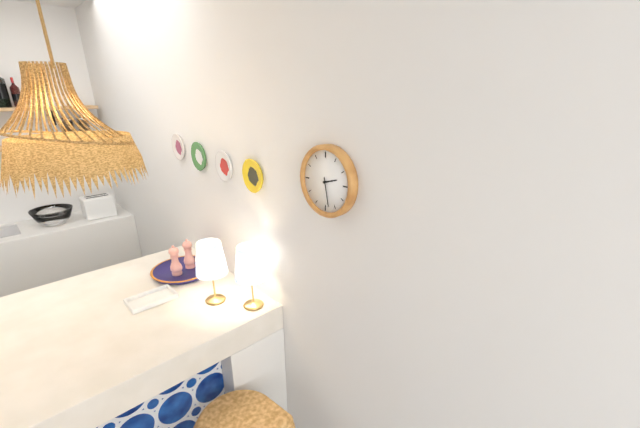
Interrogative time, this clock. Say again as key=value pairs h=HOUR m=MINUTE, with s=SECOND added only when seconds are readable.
h=2 m=28
